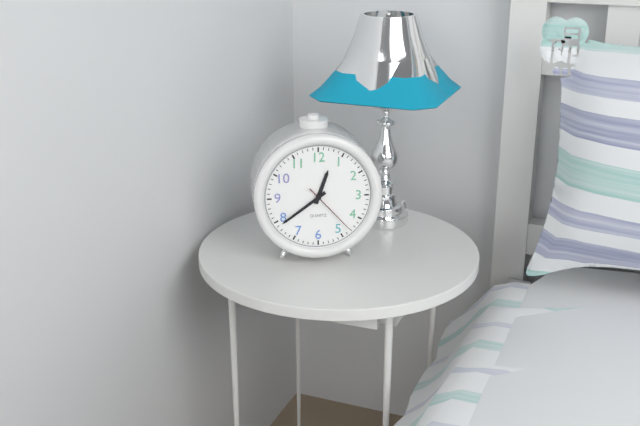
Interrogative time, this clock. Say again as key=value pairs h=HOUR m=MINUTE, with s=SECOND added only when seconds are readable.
h=12 m=39 s=23
